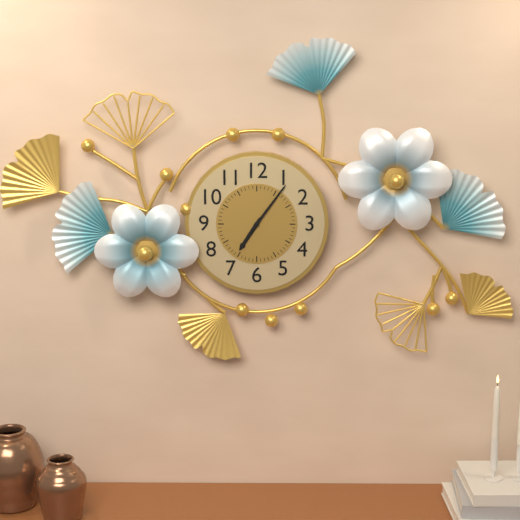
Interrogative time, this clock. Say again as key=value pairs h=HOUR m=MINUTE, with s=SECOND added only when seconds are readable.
h=7 m=6
